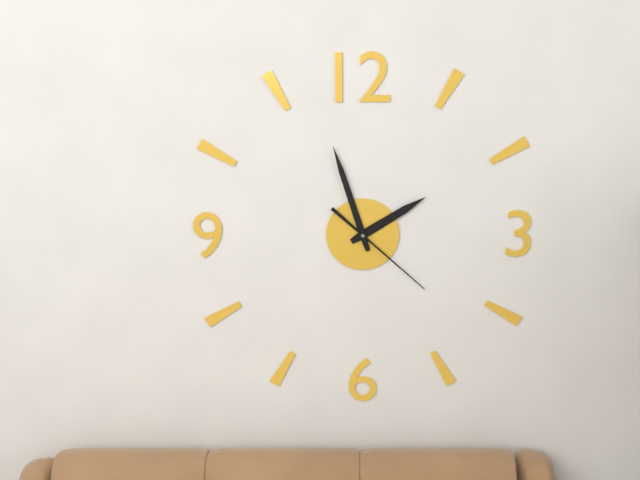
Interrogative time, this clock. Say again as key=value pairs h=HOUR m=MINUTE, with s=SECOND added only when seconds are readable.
h=1 m=57 s=22
